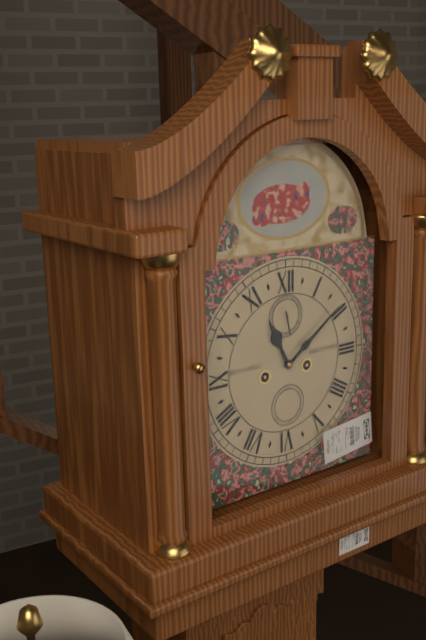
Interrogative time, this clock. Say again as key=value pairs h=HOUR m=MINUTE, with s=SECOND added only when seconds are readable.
h=11 m=9
